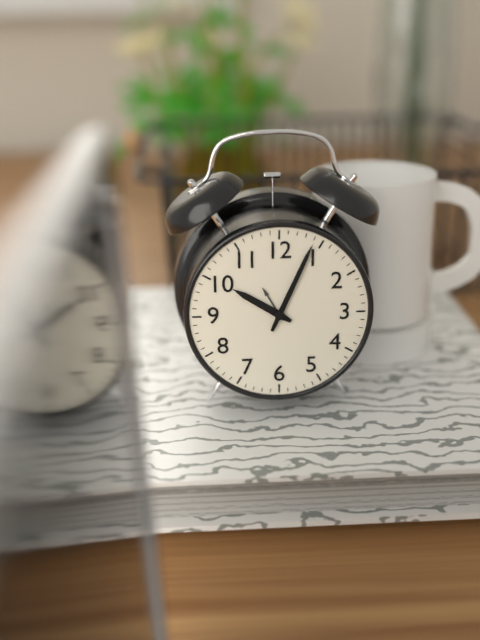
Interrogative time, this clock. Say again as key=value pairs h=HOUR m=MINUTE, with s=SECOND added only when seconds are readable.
h=10 m=4
